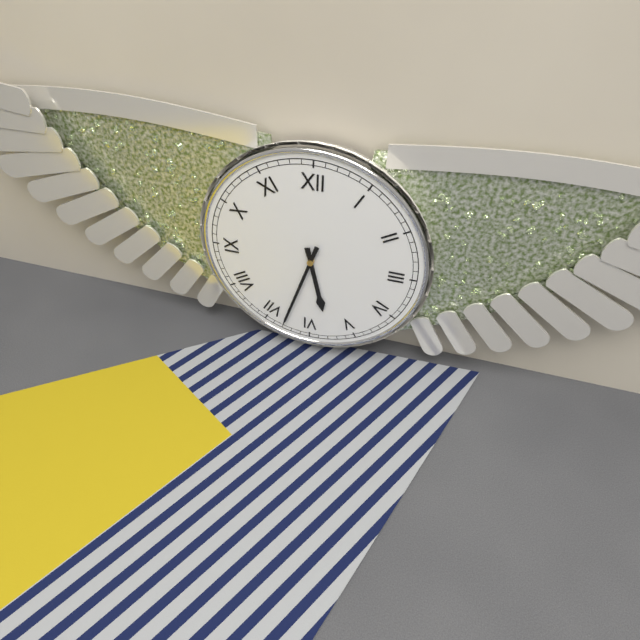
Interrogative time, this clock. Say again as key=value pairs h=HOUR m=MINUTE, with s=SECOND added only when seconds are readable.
h=5 m=33
